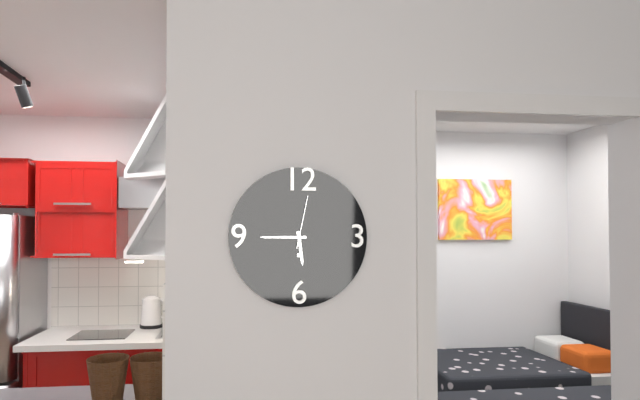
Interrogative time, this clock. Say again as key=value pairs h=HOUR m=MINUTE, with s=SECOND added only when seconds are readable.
h=5 m=45 s=2
